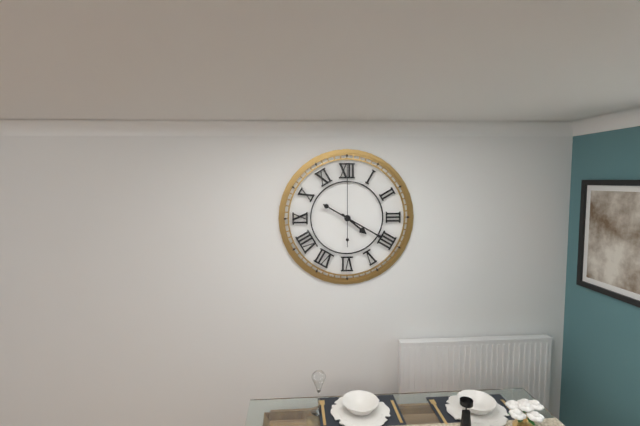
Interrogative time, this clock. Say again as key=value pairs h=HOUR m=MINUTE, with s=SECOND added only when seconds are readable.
h=4 m=20 s=0
